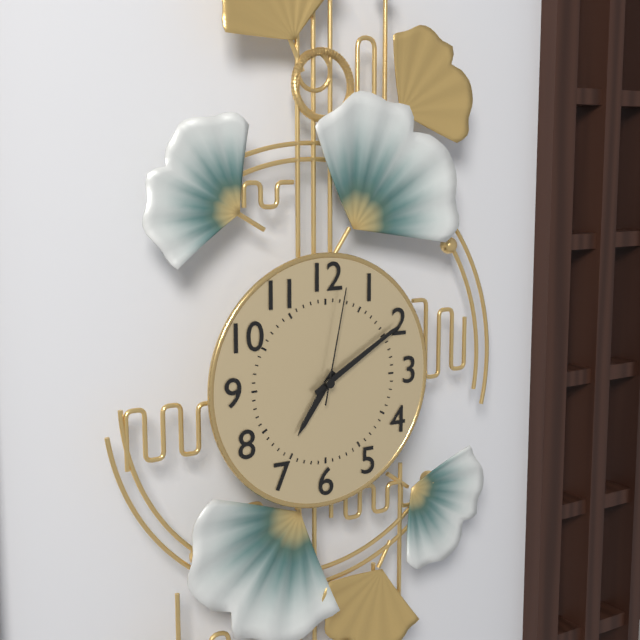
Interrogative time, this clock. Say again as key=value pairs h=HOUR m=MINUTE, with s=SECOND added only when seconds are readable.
h=7 m=10 s=2
